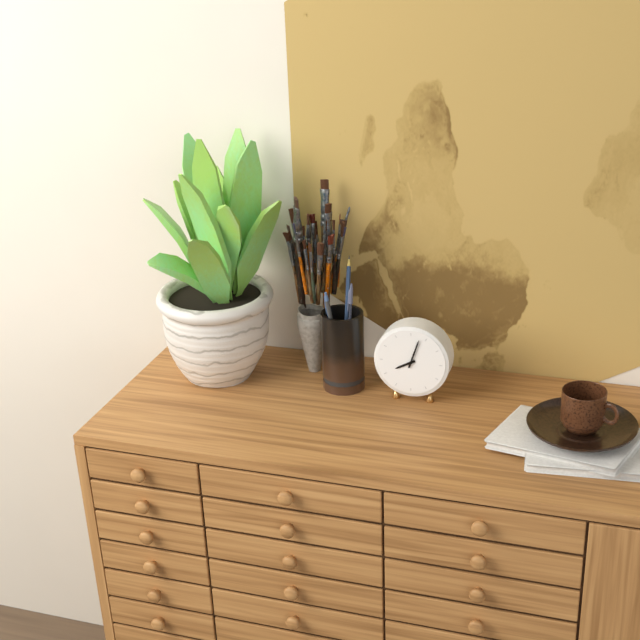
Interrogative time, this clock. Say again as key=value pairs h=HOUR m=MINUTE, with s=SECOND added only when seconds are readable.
h=8 m=3
